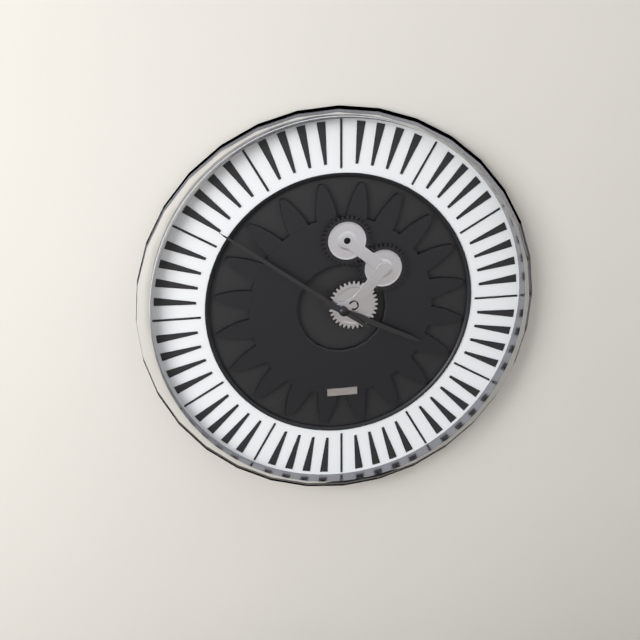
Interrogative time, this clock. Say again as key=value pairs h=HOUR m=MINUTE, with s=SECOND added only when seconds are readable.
h=3 m=51
